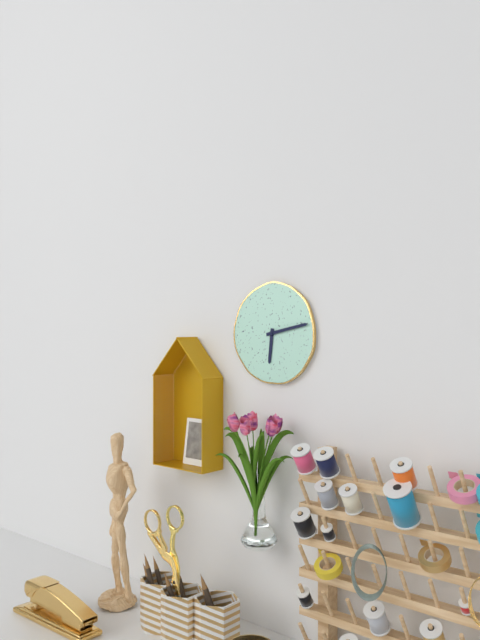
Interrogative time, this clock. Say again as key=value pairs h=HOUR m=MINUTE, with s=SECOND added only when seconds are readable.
h=6 m=13
